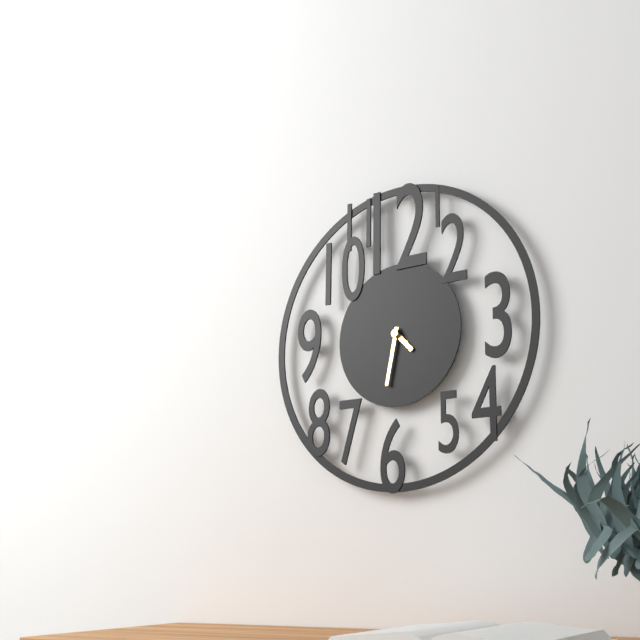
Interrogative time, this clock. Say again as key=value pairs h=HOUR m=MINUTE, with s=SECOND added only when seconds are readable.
h=4 m=32
